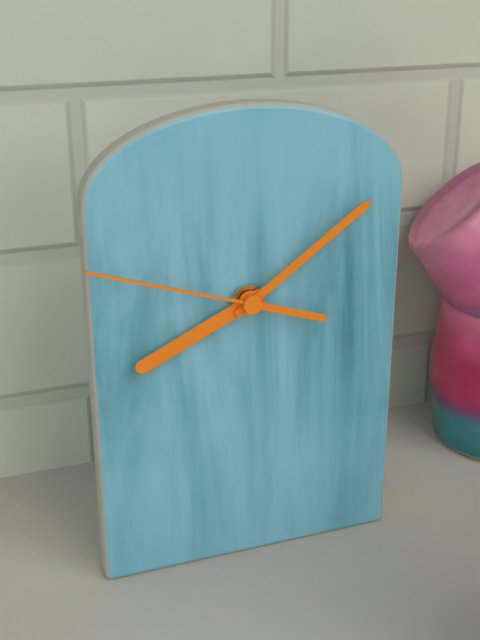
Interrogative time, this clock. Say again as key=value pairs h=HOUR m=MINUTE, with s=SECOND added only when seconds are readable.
h=8 m=9 s=48
